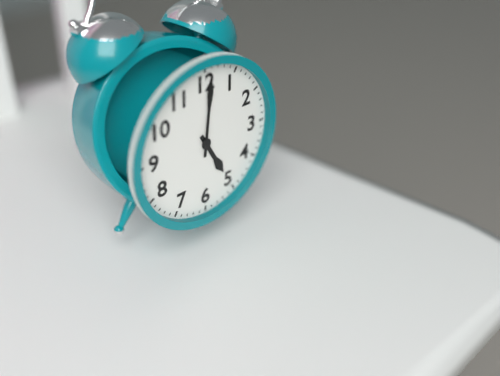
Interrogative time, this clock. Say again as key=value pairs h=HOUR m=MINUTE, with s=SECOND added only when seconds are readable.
h=5 m=1
